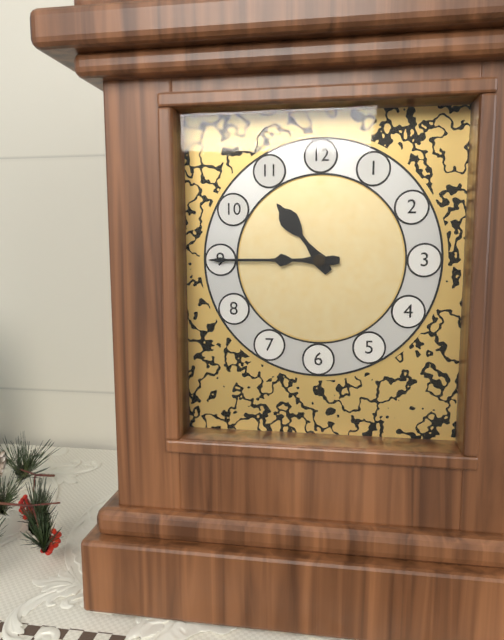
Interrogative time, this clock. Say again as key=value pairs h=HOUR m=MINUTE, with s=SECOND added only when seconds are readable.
h=10 m=45
